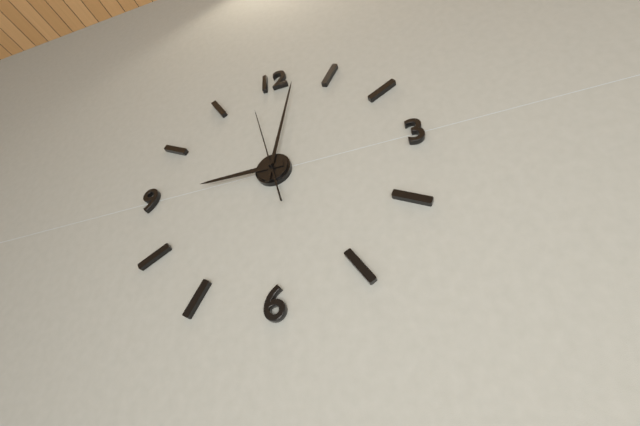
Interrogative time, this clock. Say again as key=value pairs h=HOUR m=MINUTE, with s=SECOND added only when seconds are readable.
h=9 m=2 s=58
